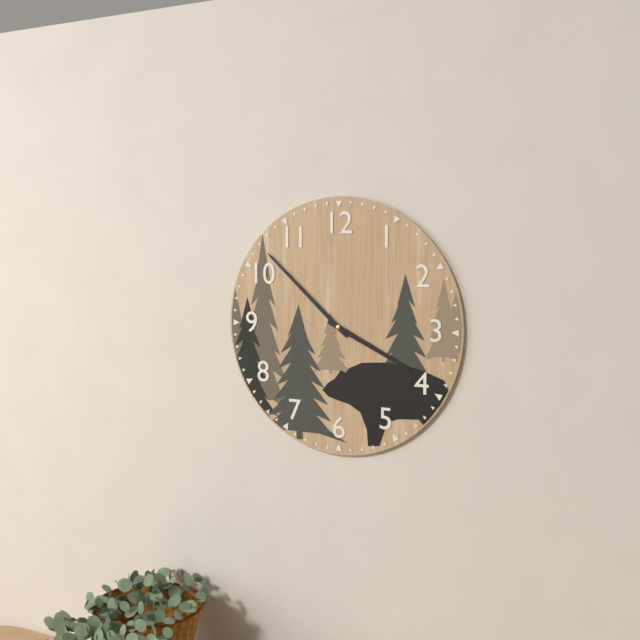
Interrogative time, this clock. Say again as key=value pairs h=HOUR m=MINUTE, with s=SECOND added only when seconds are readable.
h=3 m=52
